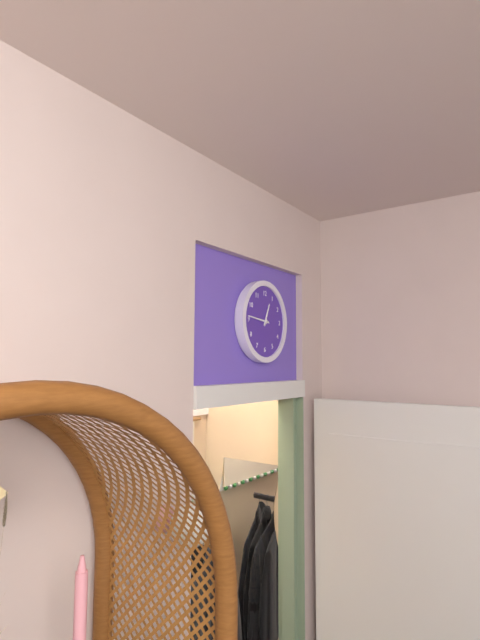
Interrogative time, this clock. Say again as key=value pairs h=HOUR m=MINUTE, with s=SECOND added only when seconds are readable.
h=12 m=46
